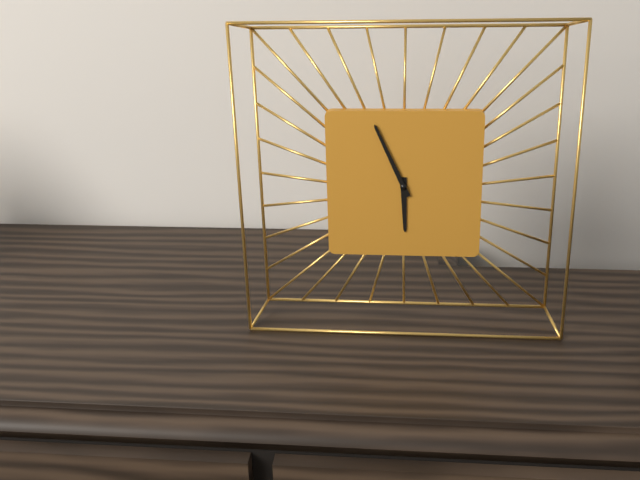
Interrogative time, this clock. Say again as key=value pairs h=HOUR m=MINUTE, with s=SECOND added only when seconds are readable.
h=5 m=56
